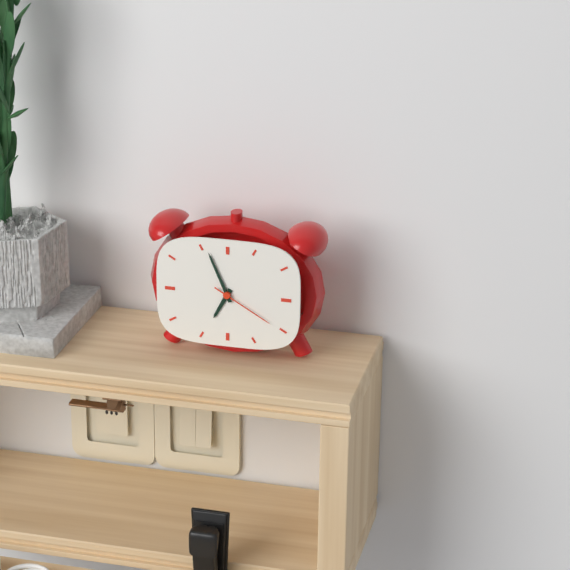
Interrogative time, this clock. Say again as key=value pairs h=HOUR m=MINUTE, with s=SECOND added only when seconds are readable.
h=6 m=56 s=20
